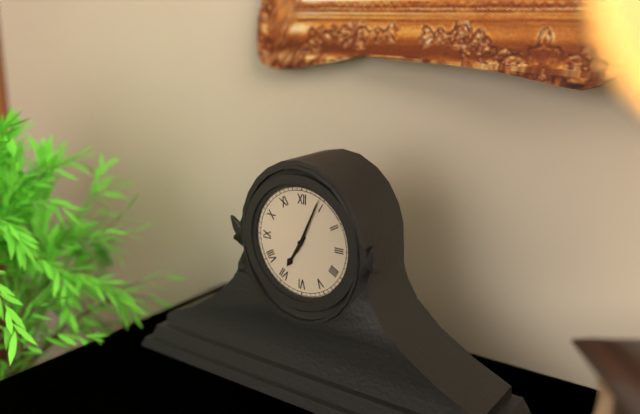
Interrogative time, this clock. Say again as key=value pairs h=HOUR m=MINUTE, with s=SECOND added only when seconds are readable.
h=7 m=4
